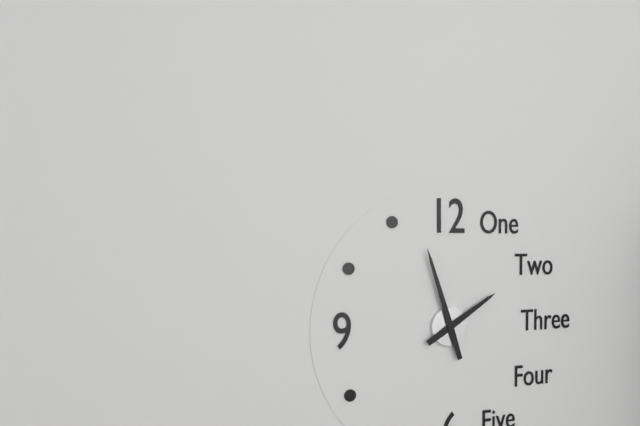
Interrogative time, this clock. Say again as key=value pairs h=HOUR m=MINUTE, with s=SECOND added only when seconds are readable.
h=1 m=57
